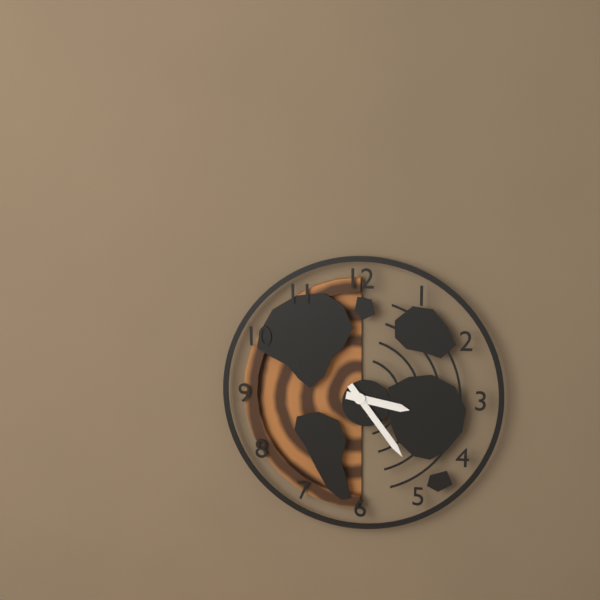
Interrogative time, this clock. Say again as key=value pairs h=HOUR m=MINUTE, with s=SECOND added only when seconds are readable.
h=3 m=24
